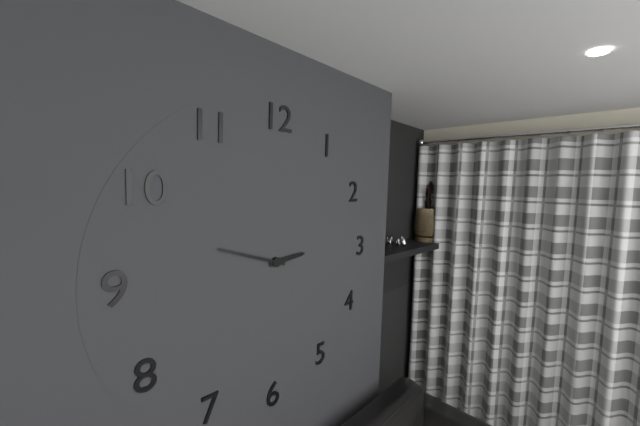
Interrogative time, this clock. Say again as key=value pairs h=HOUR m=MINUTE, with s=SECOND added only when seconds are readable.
h=2 m=48
